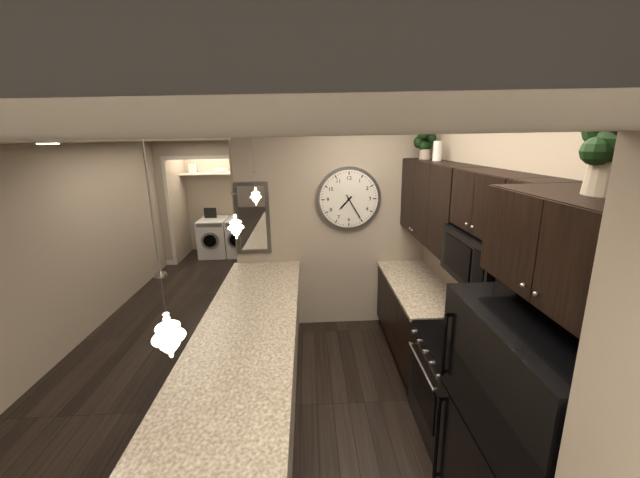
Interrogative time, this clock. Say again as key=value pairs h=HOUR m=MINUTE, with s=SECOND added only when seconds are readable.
h=7 m=25
